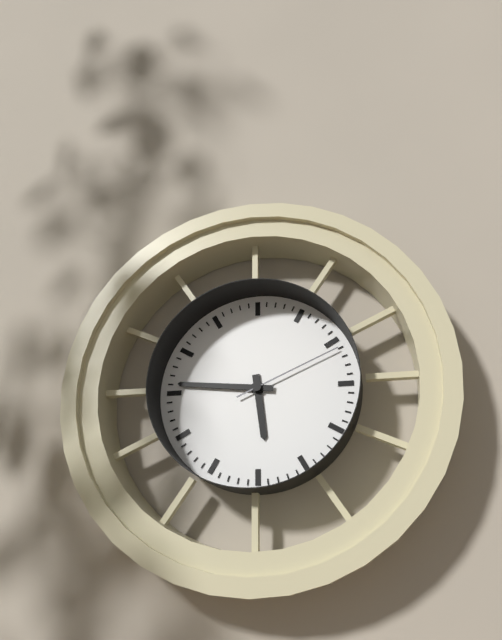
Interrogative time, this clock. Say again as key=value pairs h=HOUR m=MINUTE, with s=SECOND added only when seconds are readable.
h=5 m=46 s=11
